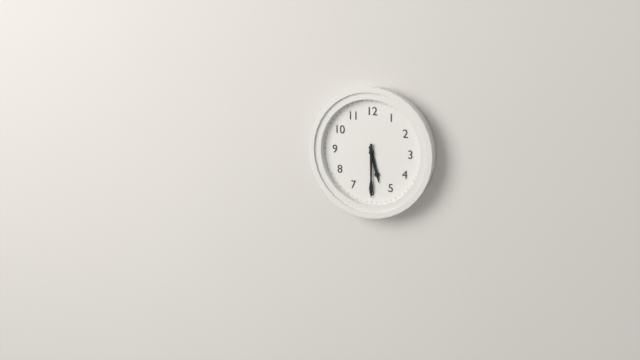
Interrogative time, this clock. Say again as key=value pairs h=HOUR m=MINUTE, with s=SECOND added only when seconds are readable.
h=5 m=30
